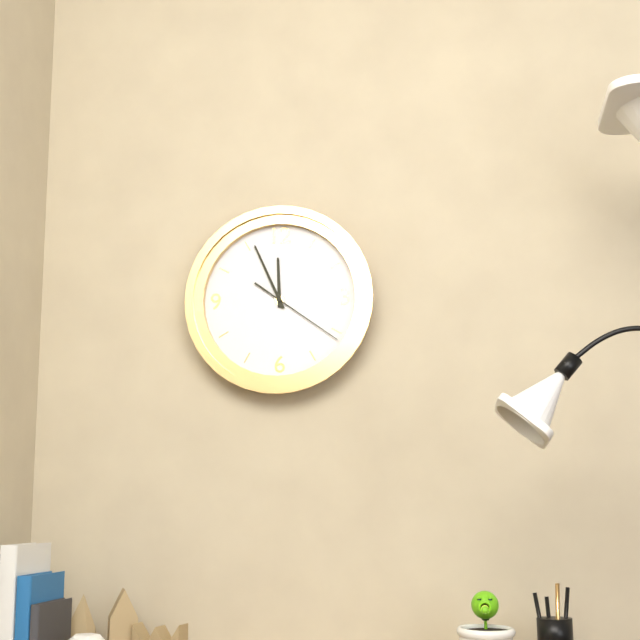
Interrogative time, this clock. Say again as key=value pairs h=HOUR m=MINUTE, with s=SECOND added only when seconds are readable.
h=11 m=56 s=21
